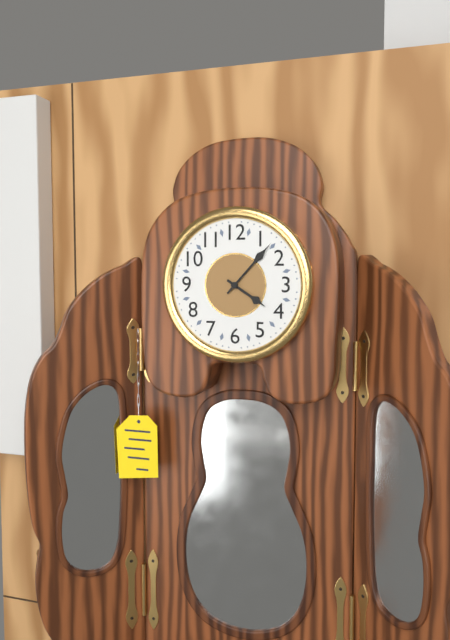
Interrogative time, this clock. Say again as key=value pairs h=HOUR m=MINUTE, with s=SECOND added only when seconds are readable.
h=4 m=7
